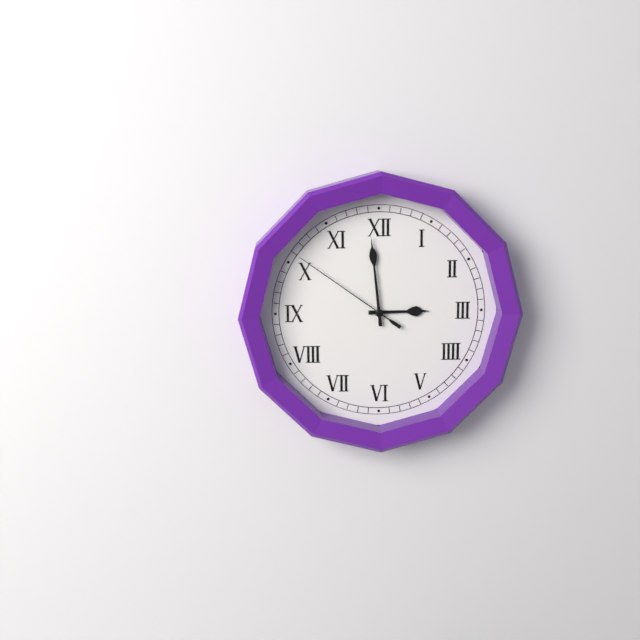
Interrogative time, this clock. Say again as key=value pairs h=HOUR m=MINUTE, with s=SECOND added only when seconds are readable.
h=2 m=59 s=51
